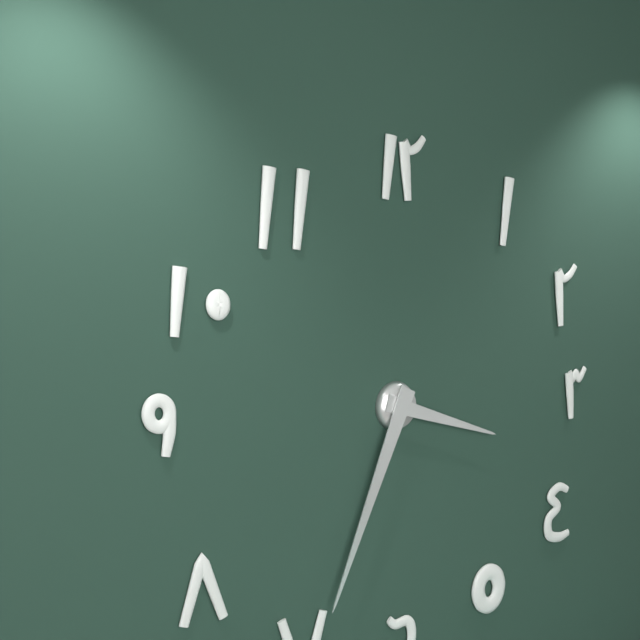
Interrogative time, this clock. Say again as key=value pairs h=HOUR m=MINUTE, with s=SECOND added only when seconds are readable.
h=3 m=34
